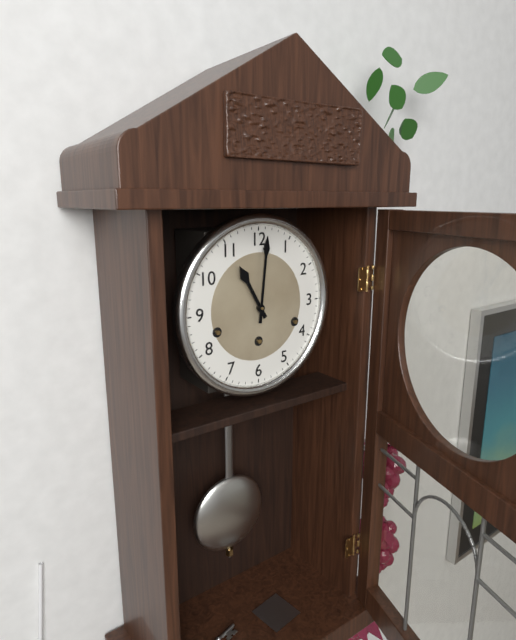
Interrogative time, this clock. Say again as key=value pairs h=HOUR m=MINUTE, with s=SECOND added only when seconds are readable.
h=11 m=1
